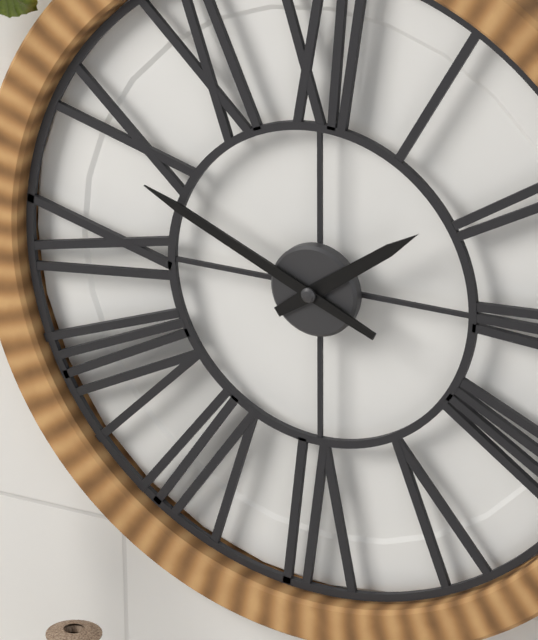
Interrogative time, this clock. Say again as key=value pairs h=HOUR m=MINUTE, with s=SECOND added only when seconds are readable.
h=1 m=49
